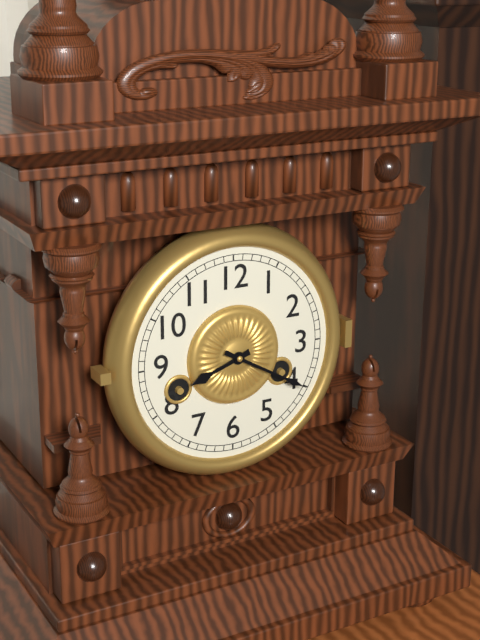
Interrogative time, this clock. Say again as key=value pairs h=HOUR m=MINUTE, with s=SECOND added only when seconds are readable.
h=8 m=20
